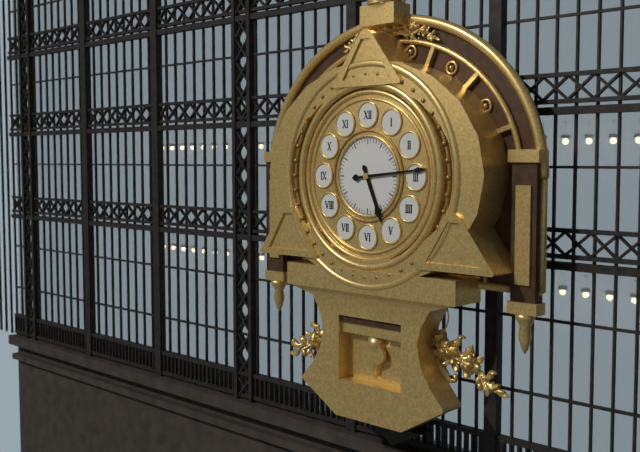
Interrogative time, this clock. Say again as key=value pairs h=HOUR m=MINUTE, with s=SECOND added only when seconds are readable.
h=5 m=14
